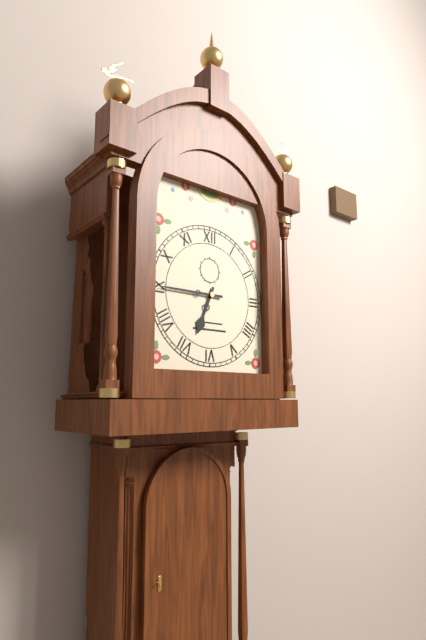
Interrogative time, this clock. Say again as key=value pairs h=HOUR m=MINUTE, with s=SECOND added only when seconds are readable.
h=6 m=45
